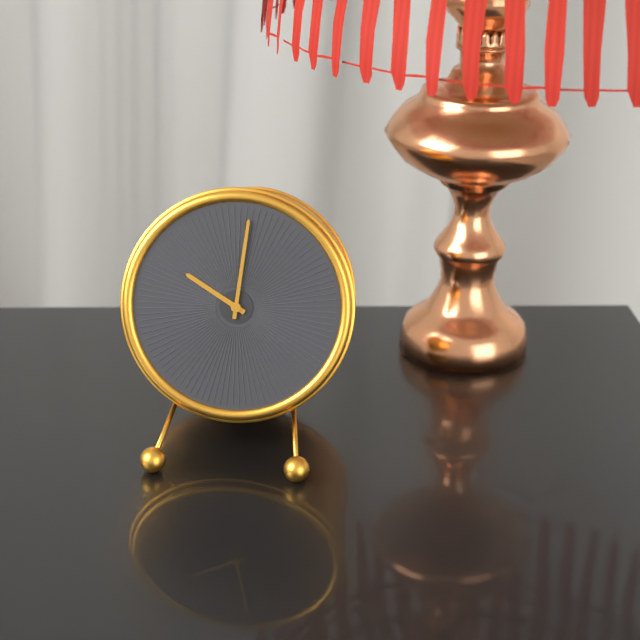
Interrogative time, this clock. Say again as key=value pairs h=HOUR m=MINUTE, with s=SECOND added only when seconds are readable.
h=10 m=1
